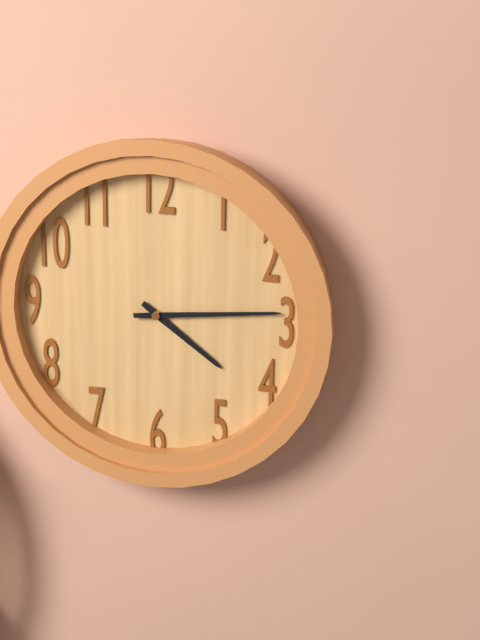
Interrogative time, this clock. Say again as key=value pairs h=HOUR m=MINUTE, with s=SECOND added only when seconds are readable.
h=4 m=14
